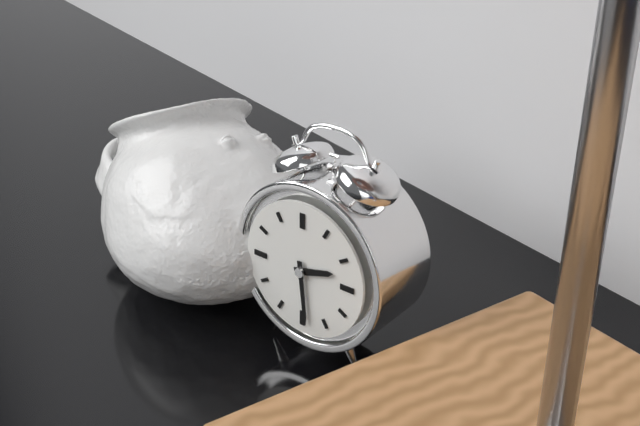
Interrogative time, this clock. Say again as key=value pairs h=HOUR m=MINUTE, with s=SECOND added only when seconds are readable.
h=2 m=29
